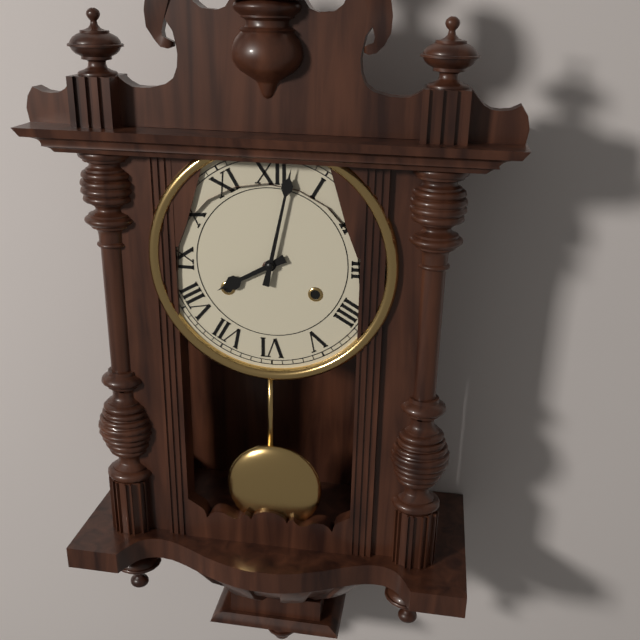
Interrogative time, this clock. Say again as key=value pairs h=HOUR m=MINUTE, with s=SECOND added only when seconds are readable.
h=8 m=2
